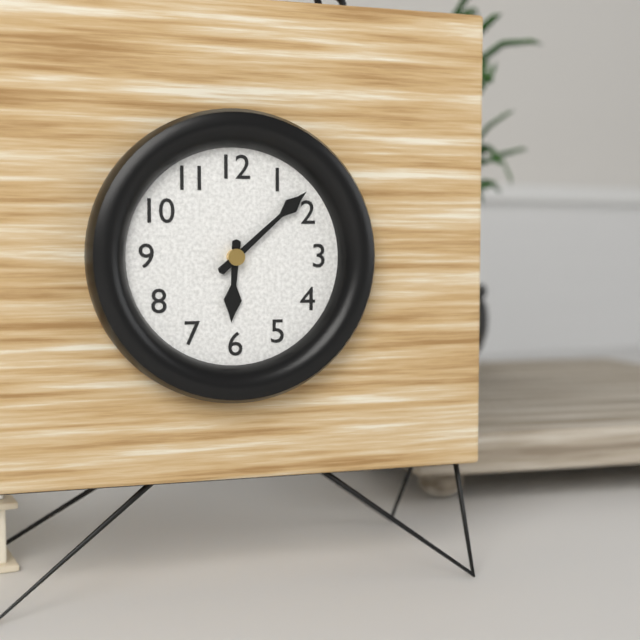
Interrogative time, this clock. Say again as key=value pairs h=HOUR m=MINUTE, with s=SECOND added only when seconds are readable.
h=6 m=8
